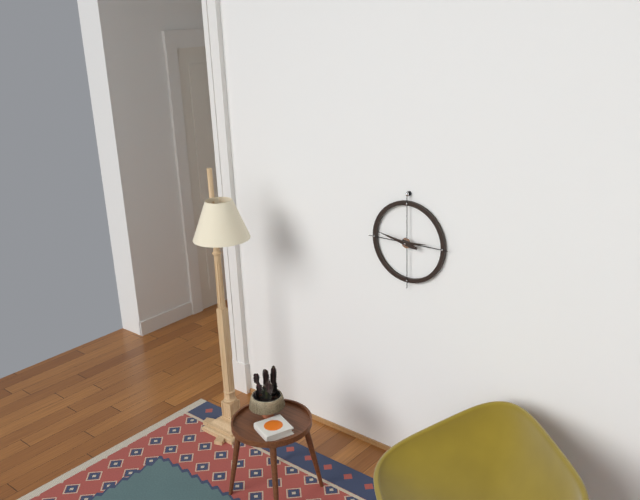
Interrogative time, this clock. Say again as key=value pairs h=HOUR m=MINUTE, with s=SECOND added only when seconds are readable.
h=2 m=47
